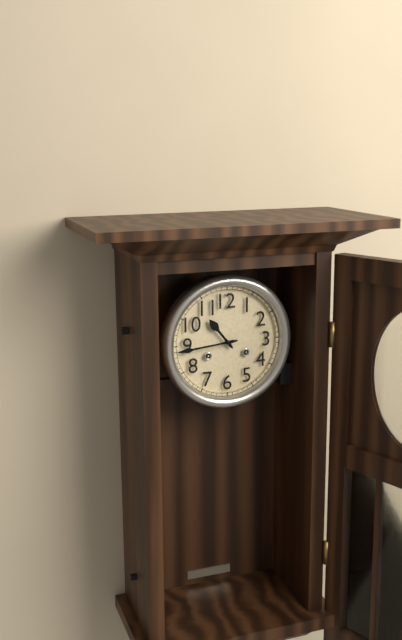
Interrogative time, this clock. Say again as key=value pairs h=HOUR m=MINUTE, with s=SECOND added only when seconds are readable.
h=10 m=44
